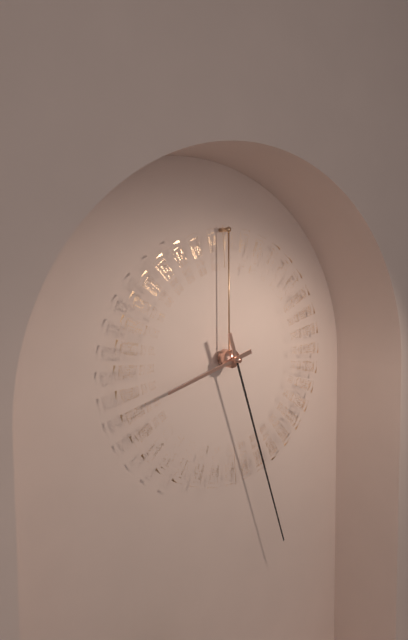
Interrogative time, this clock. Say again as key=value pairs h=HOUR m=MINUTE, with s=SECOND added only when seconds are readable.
h=8 m=27
